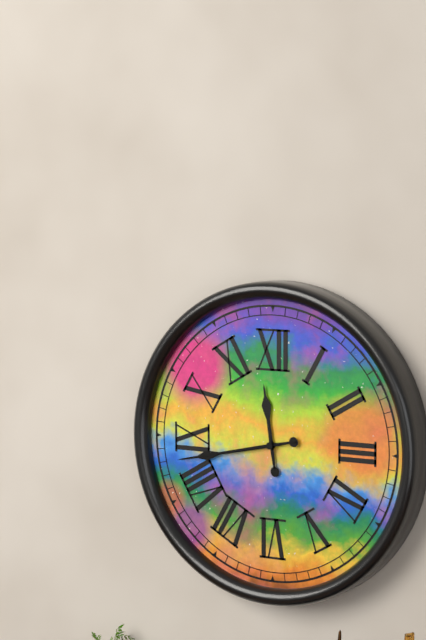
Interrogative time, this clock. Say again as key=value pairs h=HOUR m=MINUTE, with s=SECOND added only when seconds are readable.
h=11 m=43 s=43
